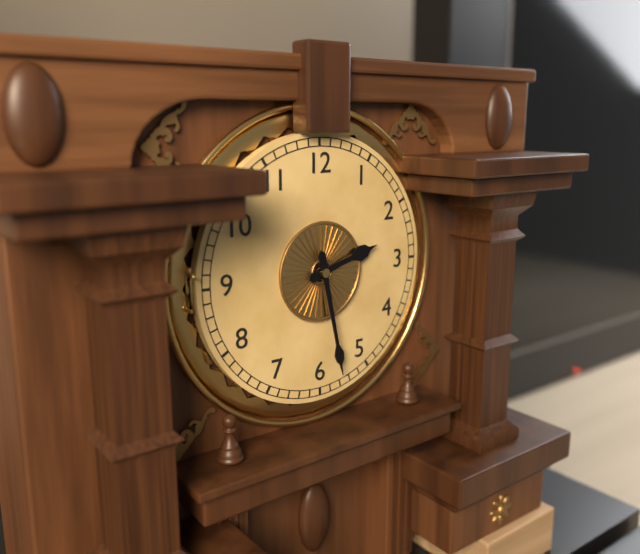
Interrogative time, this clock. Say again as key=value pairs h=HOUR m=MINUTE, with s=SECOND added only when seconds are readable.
h=2 m=28
